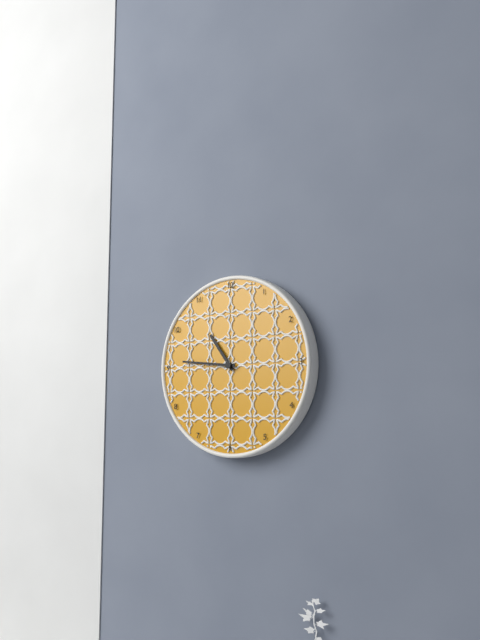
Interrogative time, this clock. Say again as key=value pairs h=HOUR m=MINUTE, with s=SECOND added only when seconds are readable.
h=10 m=46
